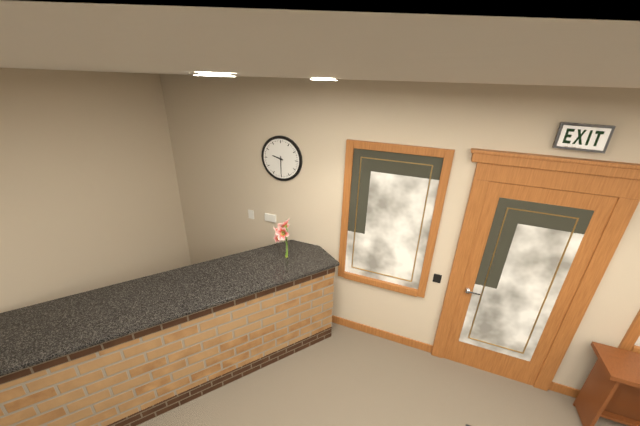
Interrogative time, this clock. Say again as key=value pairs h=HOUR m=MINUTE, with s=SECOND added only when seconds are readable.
h=9 m=30
